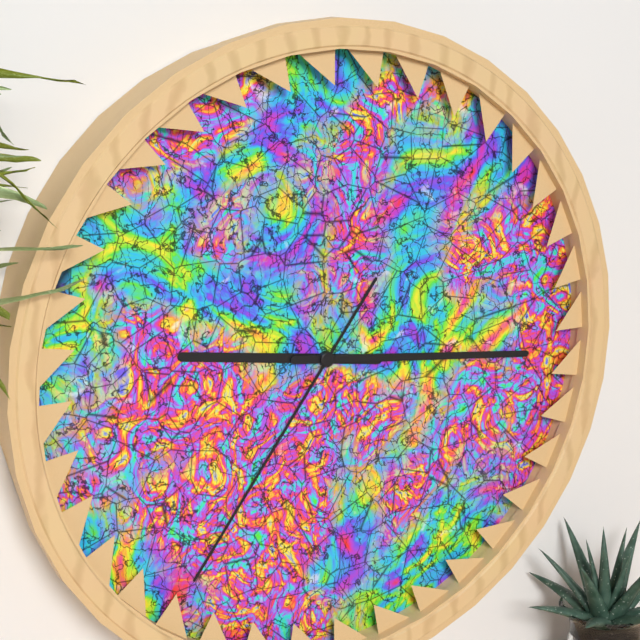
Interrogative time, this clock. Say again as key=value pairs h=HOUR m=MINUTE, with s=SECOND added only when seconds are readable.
h=9 m=16 s=36
